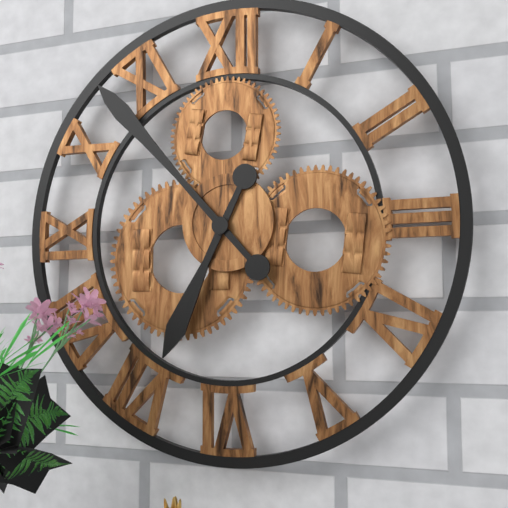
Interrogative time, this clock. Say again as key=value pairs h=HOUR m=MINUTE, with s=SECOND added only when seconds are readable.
h=6 m=53
